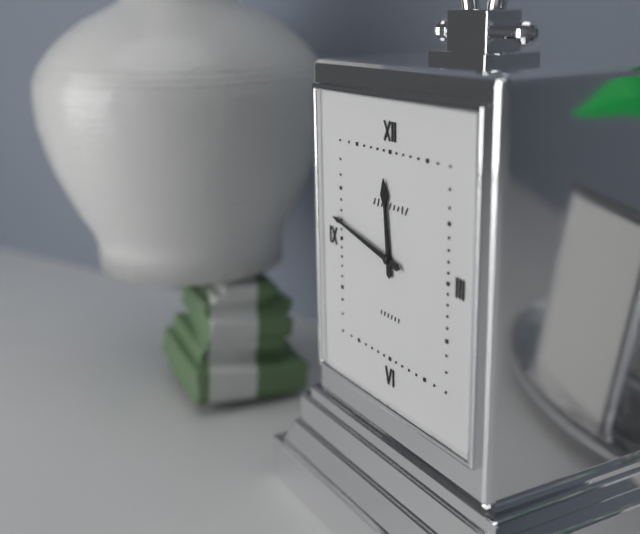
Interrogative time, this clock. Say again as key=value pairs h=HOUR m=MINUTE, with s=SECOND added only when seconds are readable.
h=11 m=47
